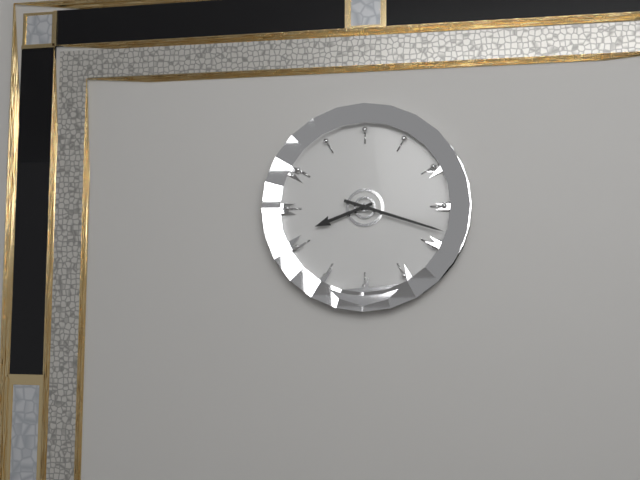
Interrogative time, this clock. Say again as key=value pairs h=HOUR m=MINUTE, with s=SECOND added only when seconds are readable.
h=8 m=18
